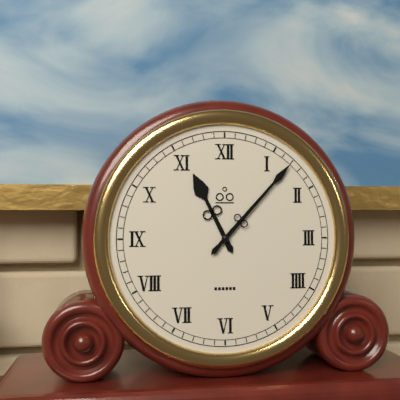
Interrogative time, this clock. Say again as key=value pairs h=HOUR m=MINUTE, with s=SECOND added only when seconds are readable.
h=11 m=7
